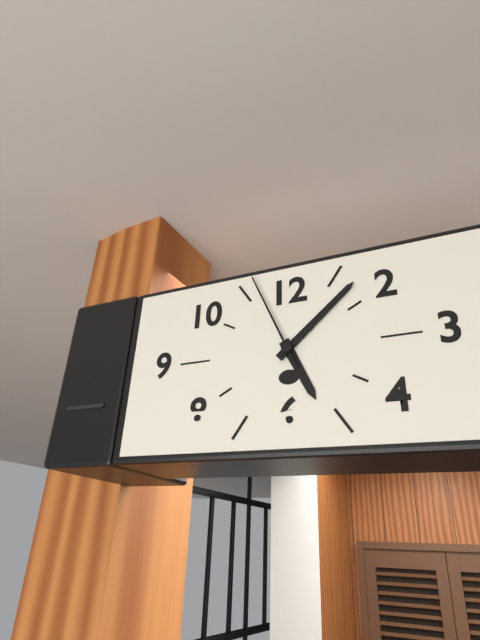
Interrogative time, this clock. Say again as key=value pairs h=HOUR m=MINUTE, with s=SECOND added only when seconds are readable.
h=5 m=8 s=56
